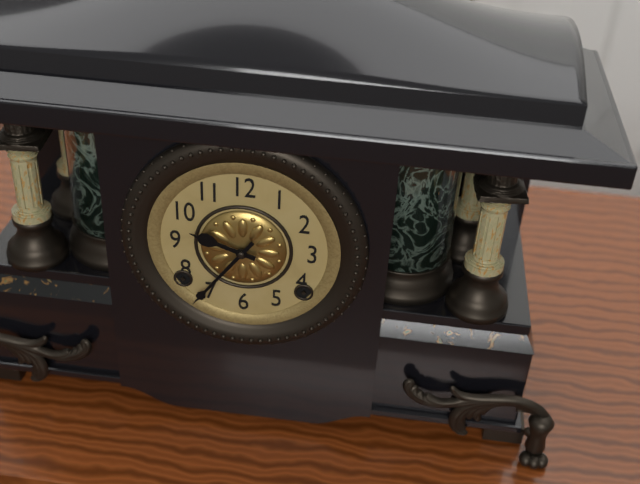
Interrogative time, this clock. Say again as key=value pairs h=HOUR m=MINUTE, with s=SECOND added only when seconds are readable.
h=9 m=36
